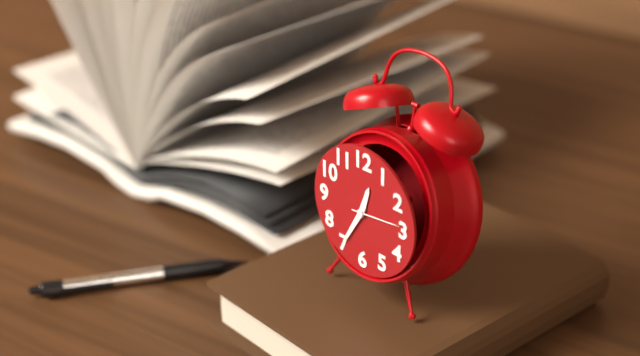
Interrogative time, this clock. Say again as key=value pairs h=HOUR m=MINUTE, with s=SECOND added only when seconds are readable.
h=12 m=35 s=14
